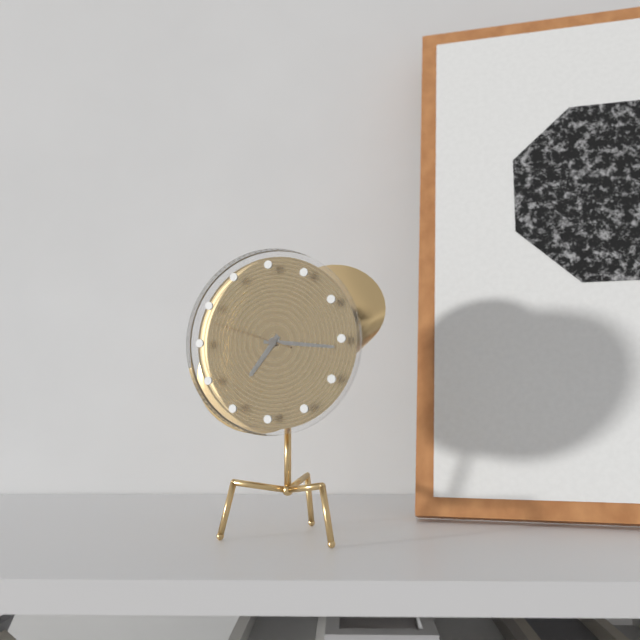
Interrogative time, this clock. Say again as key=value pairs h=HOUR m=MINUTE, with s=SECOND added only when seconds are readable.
h=7 m=16 s=48
